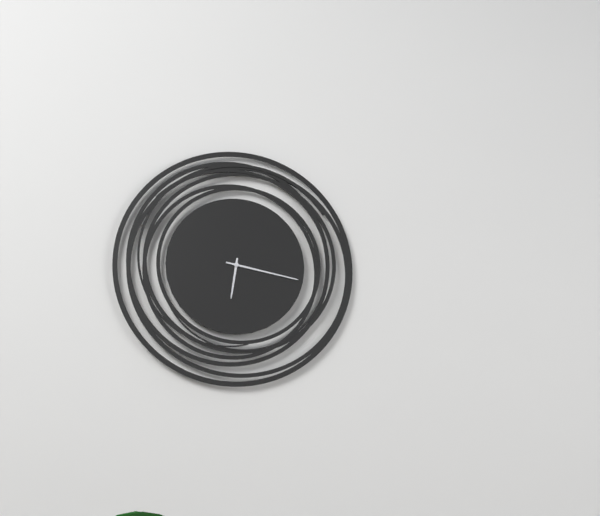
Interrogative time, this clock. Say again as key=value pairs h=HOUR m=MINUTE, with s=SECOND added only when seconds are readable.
h=6 m=17
